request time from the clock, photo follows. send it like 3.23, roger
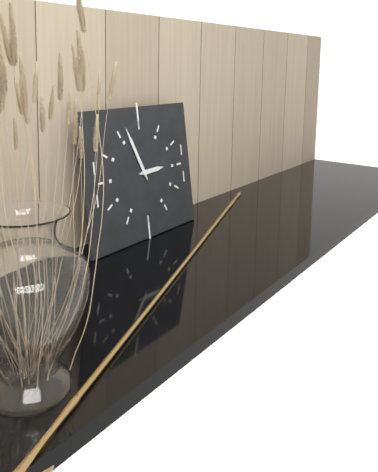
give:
2.56
